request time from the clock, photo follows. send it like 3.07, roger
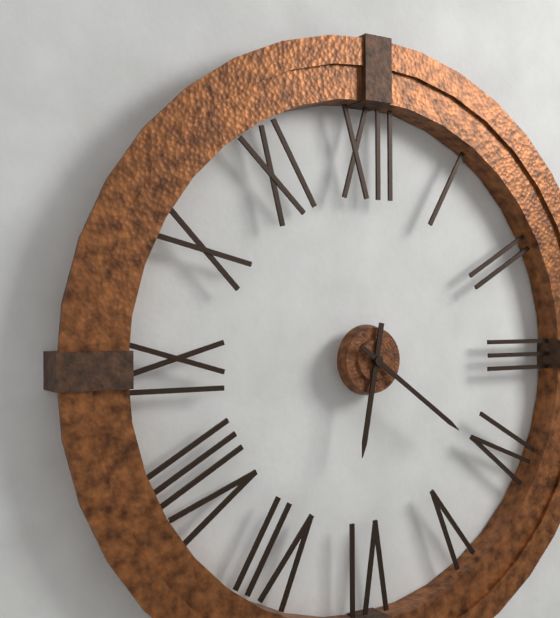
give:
6.21
